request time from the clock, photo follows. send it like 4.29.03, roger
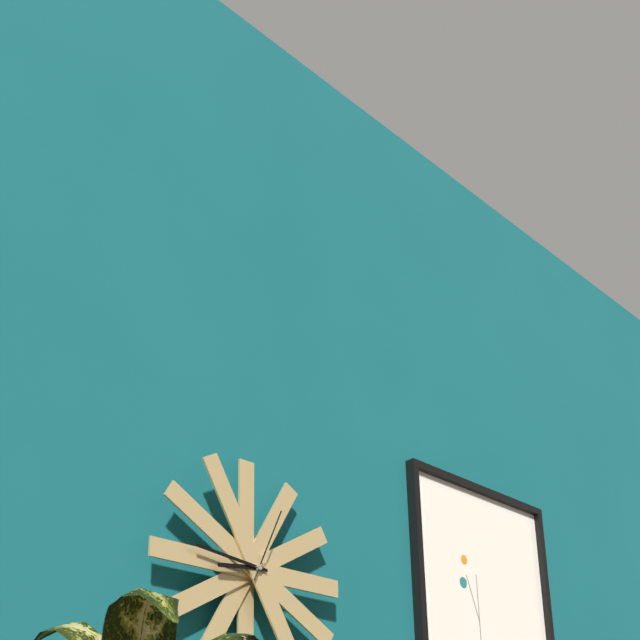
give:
8.46.04
